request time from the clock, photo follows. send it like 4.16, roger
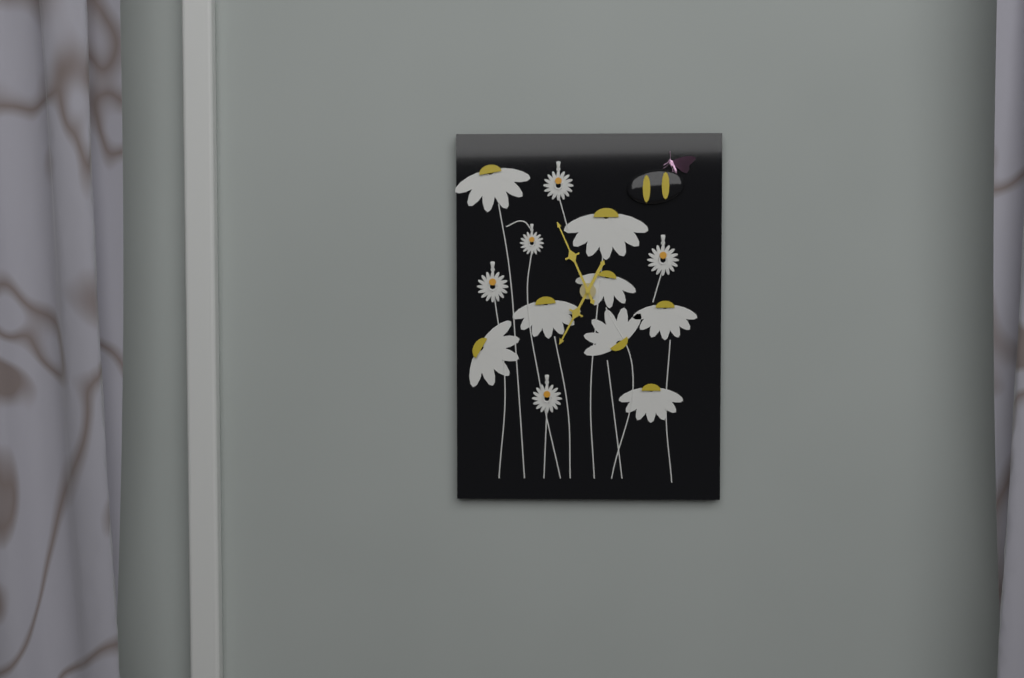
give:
6.56
